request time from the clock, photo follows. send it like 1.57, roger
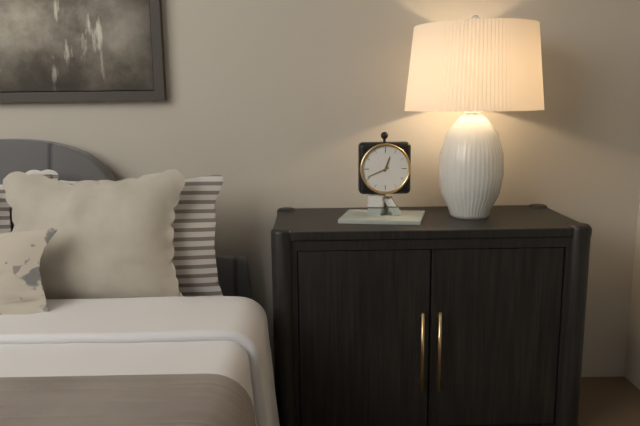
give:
12.41
